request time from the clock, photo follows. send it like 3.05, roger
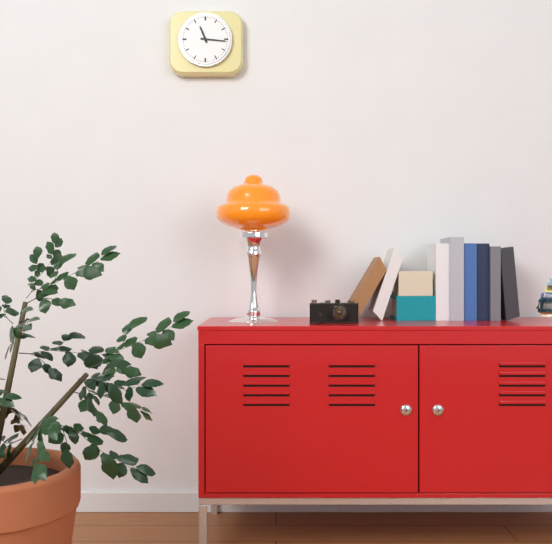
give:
11.16
